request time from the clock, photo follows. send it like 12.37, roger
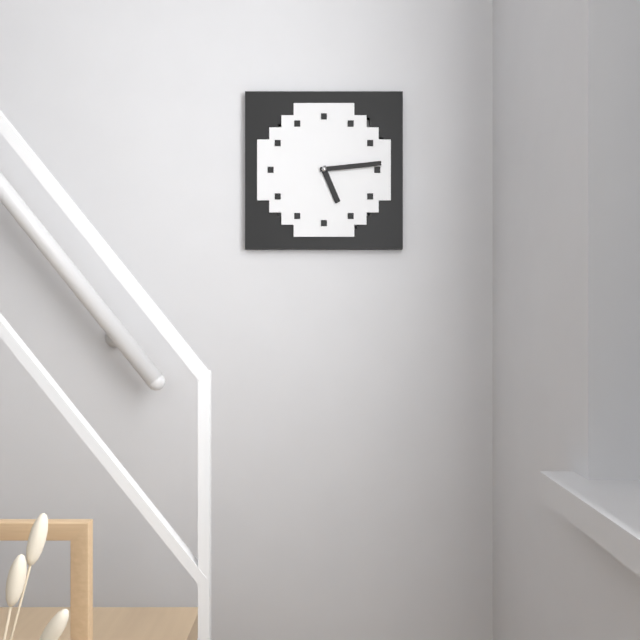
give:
5.14
